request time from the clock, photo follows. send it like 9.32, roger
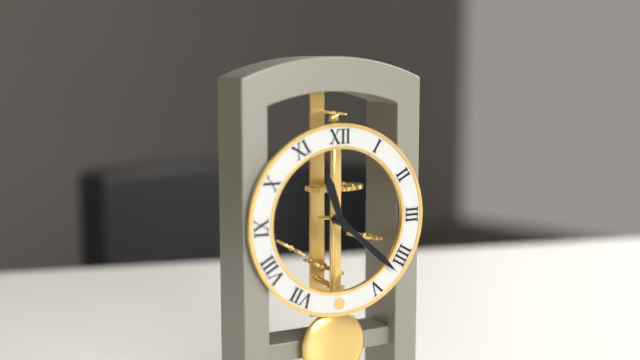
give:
11.22
